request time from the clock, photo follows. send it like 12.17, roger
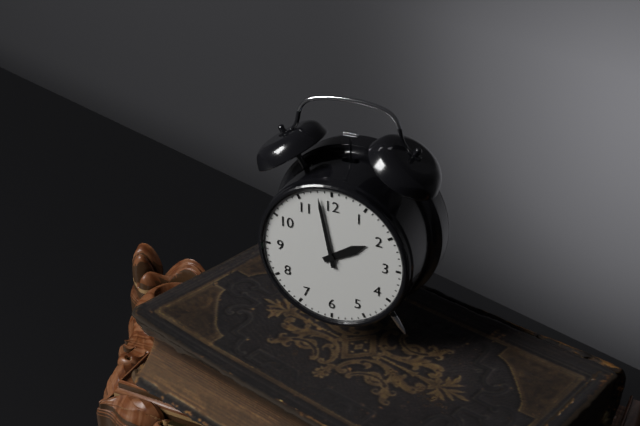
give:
1.58
